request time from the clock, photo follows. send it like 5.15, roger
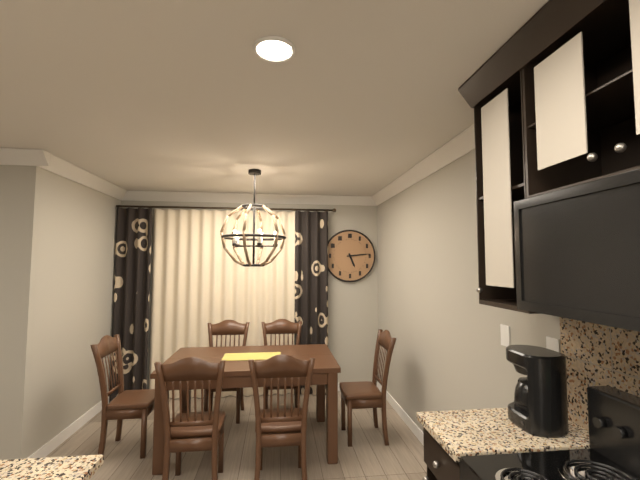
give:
5.14
